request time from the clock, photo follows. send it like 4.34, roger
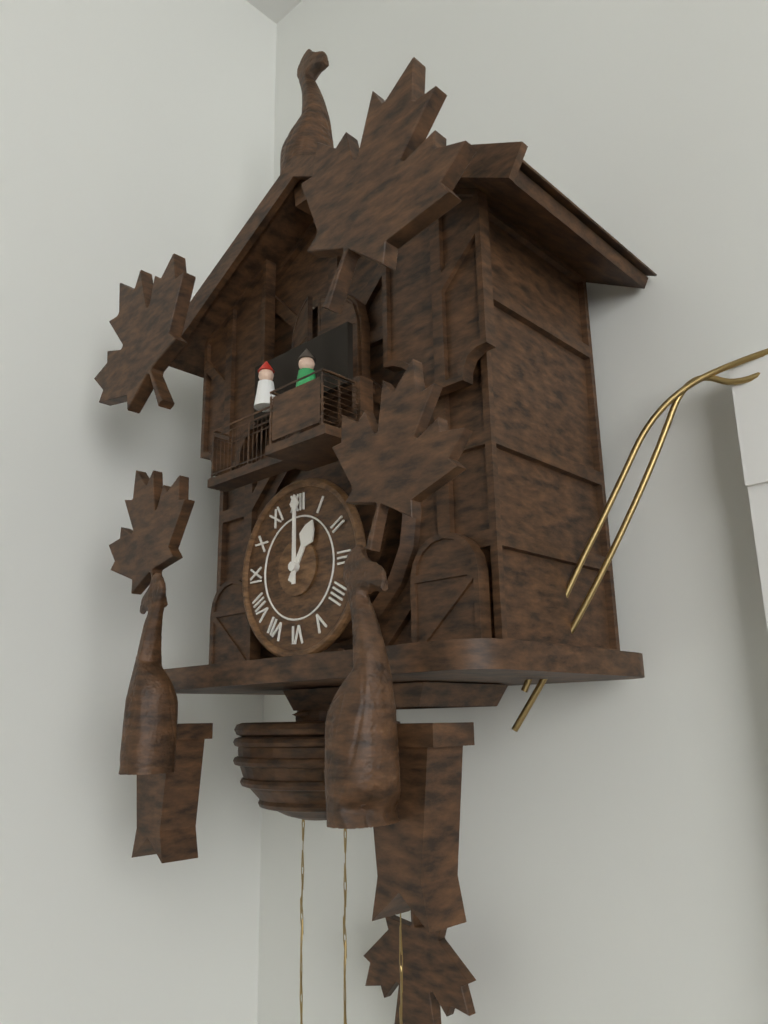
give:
1.00
